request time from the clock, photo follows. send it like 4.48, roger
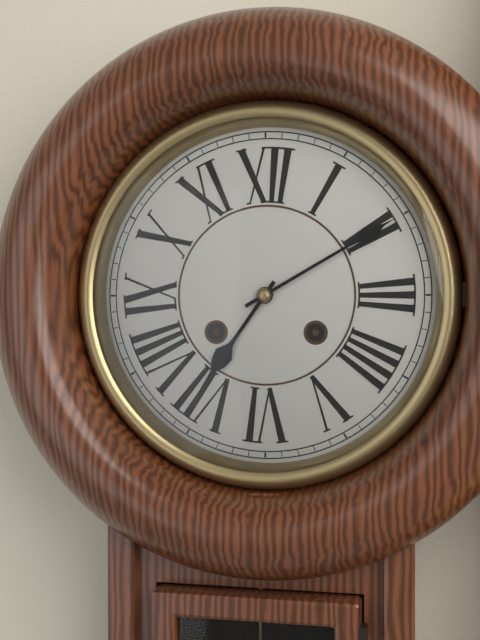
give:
7.10
